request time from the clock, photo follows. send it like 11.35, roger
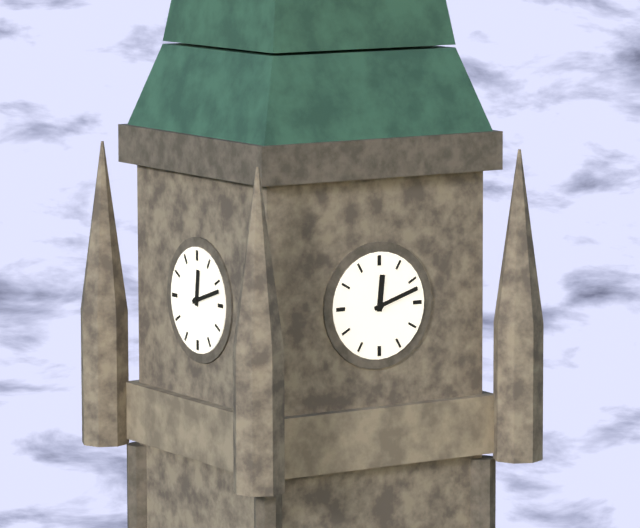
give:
12.12
